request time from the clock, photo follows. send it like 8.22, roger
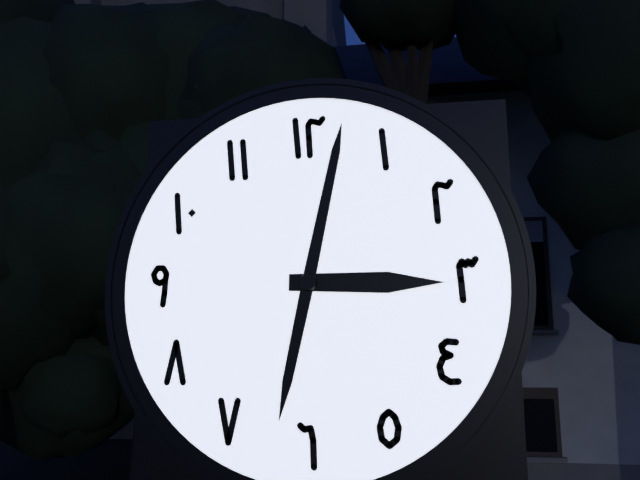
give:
3.02
